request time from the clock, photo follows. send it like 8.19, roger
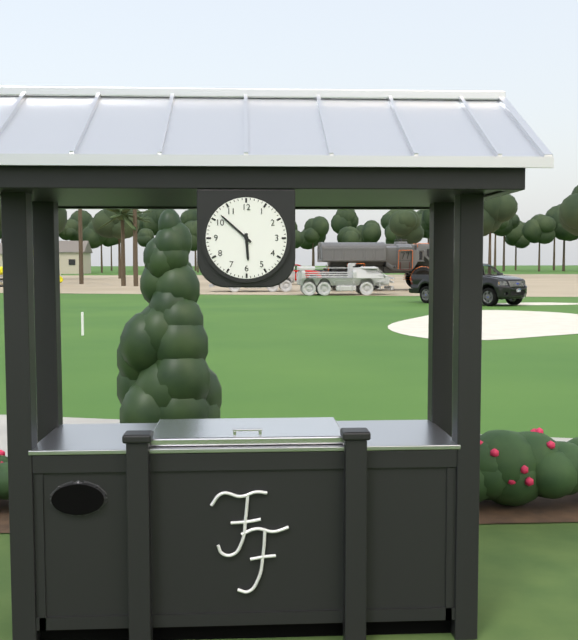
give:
5.52
